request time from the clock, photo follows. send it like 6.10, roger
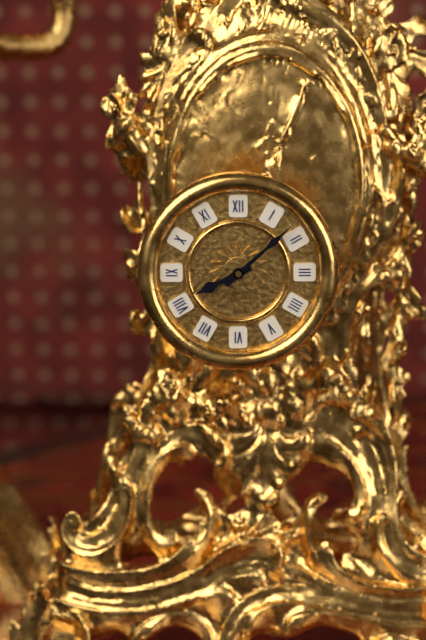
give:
8.08
